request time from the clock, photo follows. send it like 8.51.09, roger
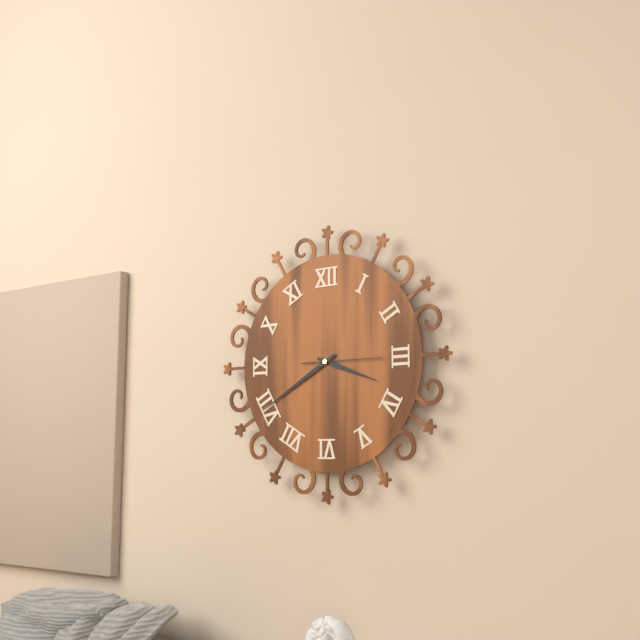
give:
3.40.15
